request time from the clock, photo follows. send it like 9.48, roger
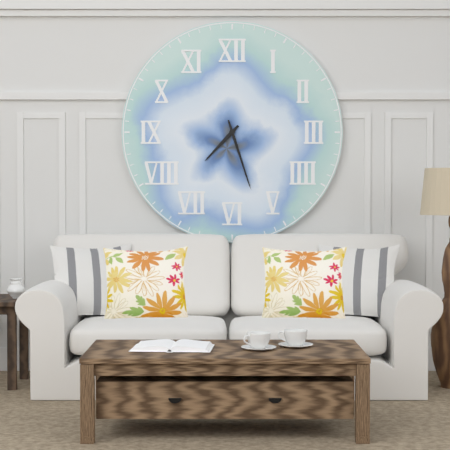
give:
7.27
